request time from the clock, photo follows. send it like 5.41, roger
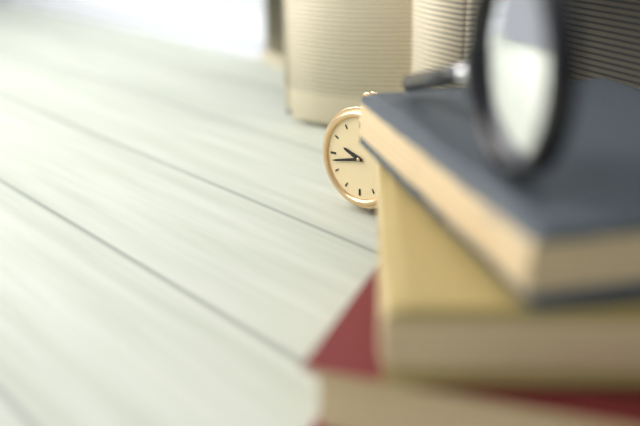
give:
9.43
